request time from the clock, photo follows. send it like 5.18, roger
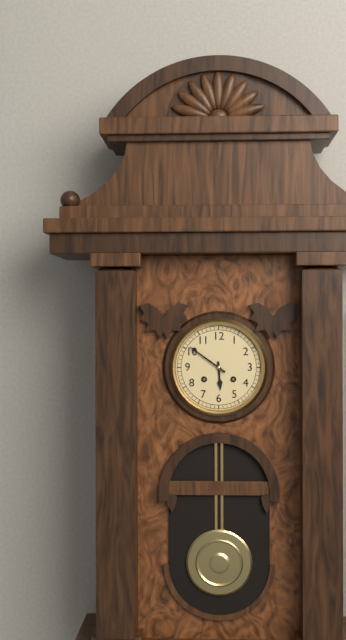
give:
5.51
